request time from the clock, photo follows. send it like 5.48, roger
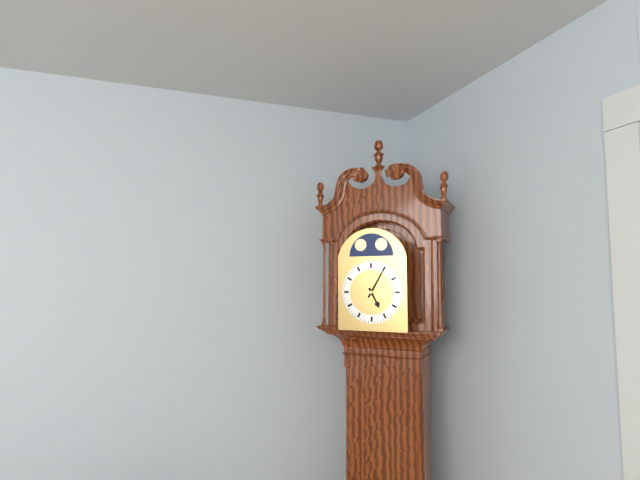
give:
5.05
